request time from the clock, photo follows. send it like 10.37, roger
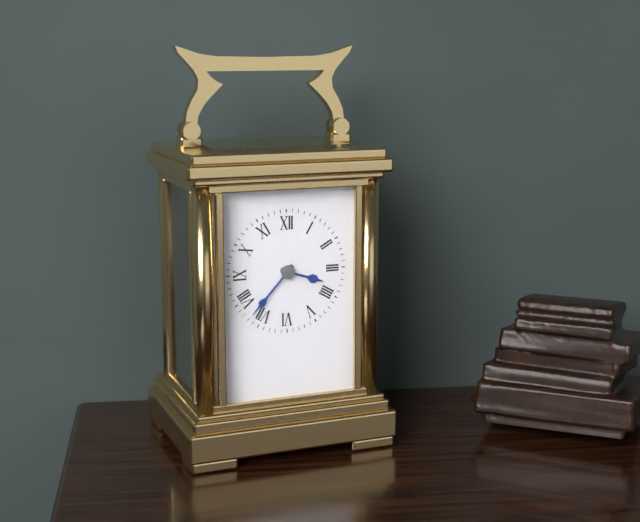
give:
3.37
